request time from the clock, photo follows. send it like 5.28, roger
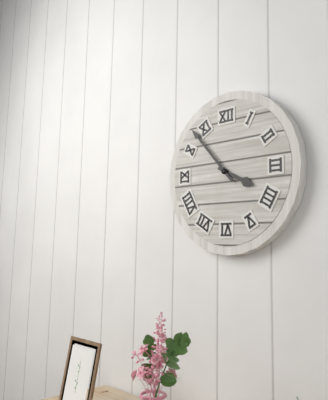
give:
3.53
